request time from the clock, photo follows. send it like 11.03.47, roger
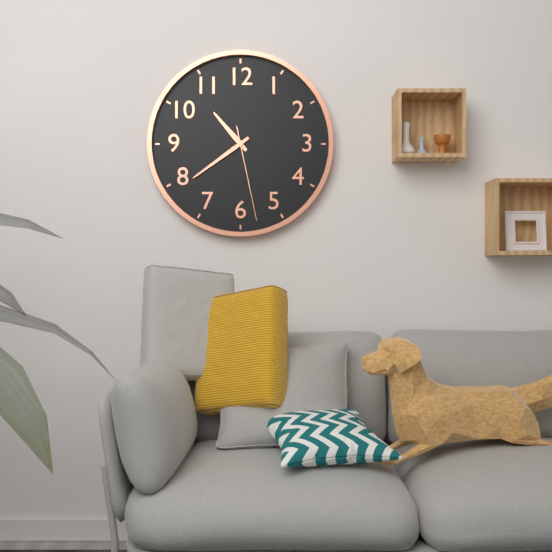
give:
10.39.28
